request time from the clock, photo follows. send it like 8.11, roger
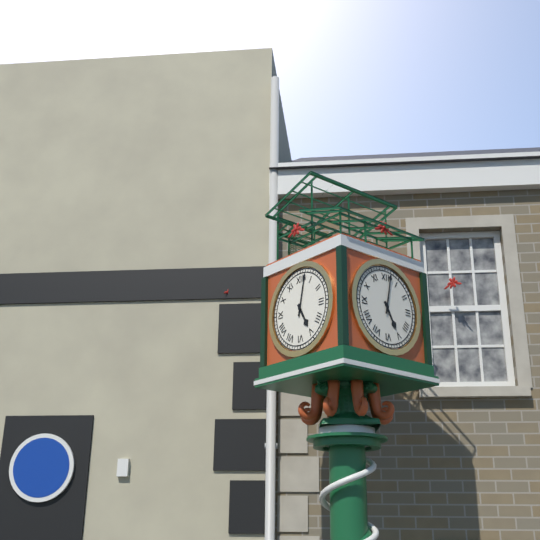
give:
5.02
